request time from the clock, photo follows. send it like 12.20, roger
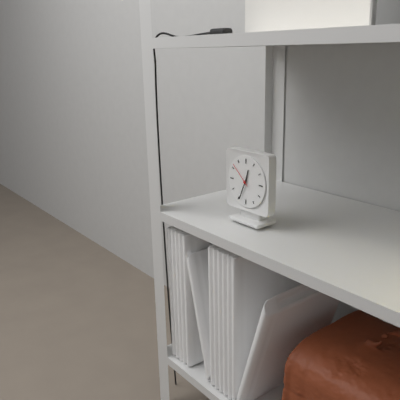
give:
12.34
